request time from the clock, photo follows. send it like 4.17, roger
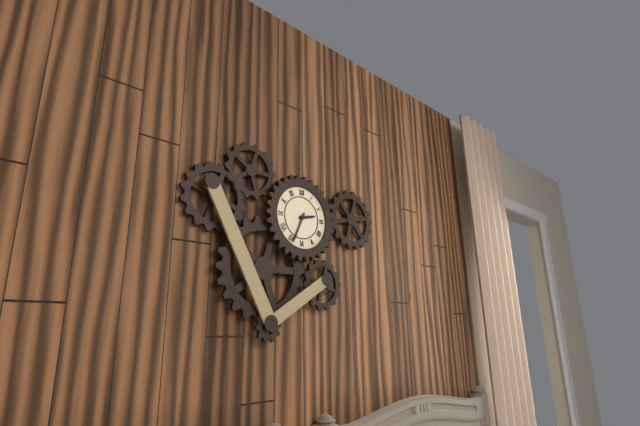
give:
2.34
